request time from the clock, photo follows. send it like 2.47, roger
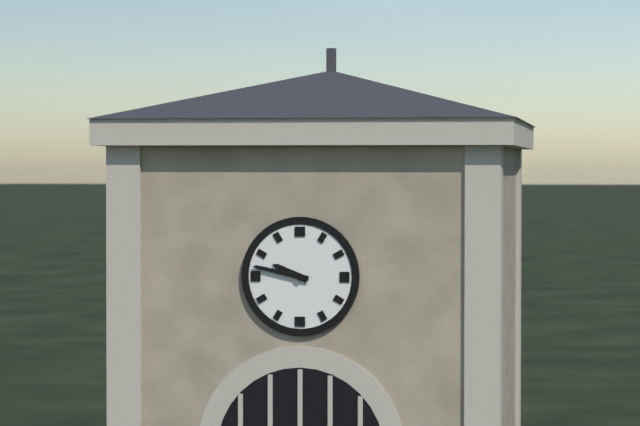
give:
9.47
